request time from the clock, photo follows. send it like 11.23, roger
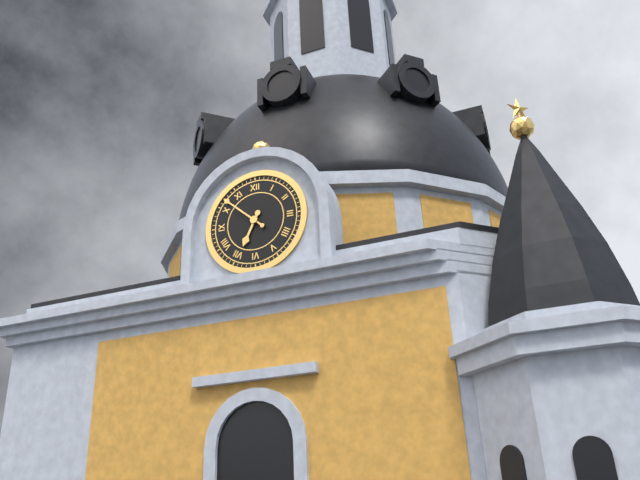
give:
6.52
